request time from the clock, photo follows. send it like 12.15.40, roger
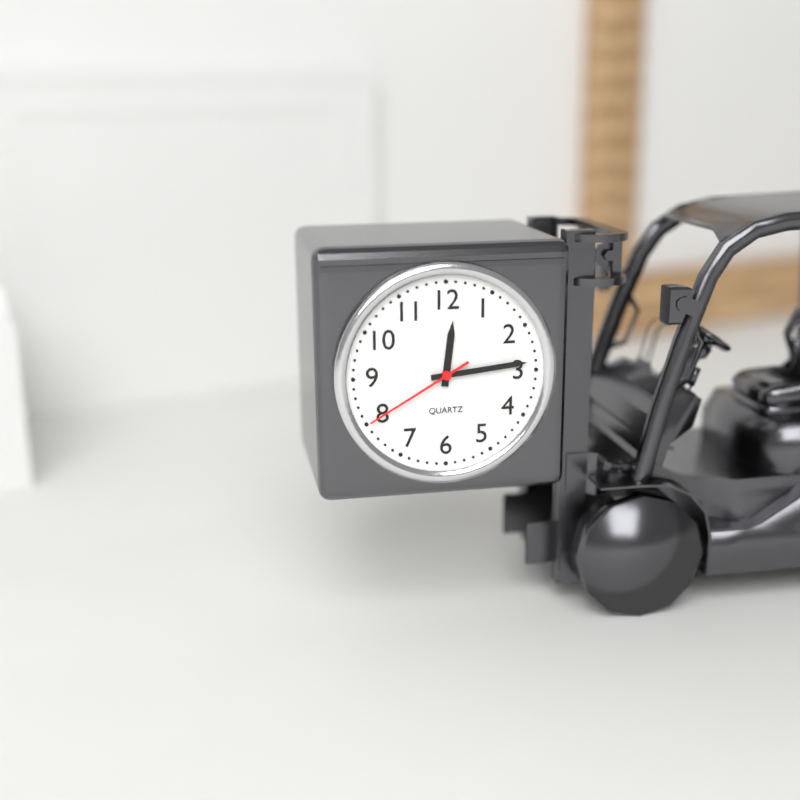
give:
12.14.40
